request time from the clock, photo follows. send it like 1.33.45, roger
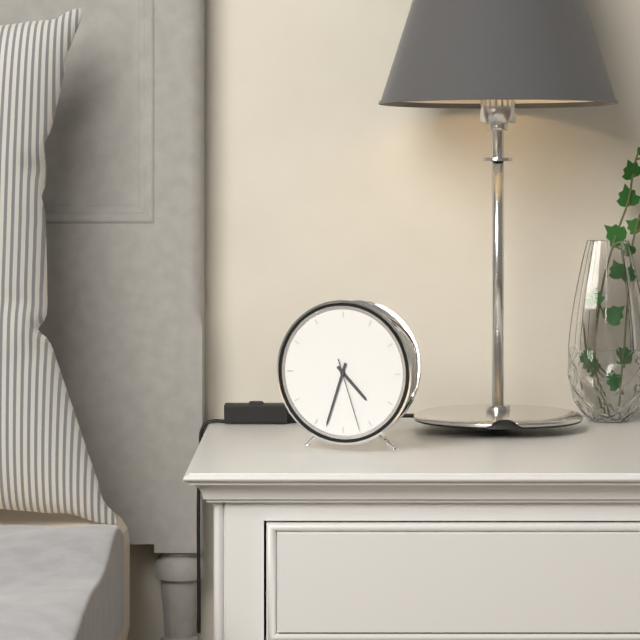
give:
4.33.27
